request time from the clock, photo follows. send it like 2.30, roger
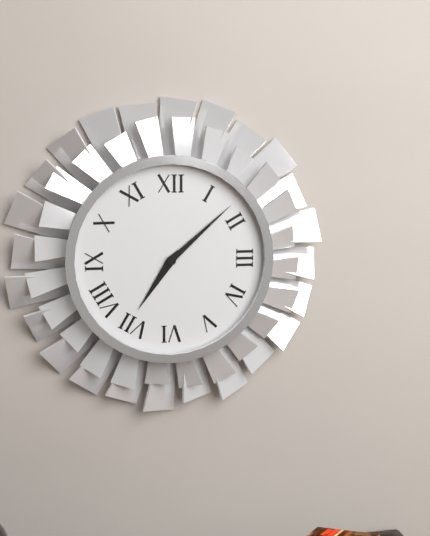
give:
7.08
